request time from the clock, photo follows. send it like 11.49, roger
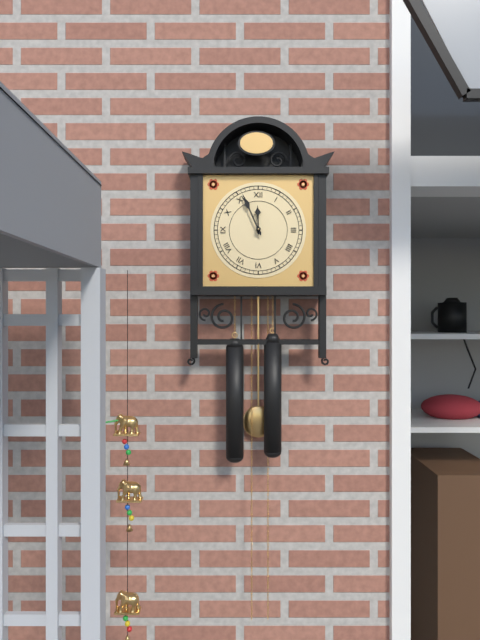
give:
11.56
